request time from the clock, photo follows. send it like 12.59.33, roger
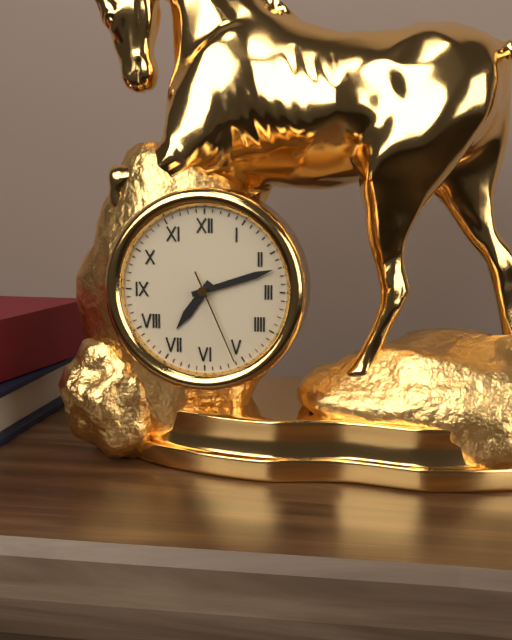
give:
7.12.26
